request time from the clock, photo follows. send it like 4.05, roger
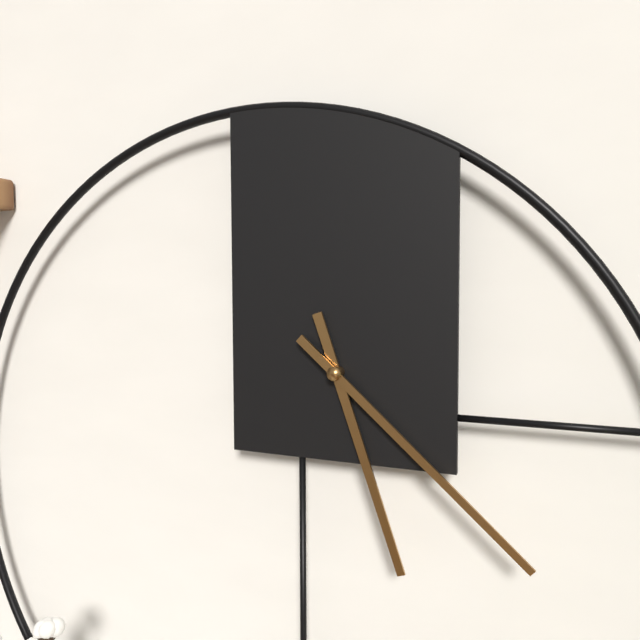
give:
5.22
